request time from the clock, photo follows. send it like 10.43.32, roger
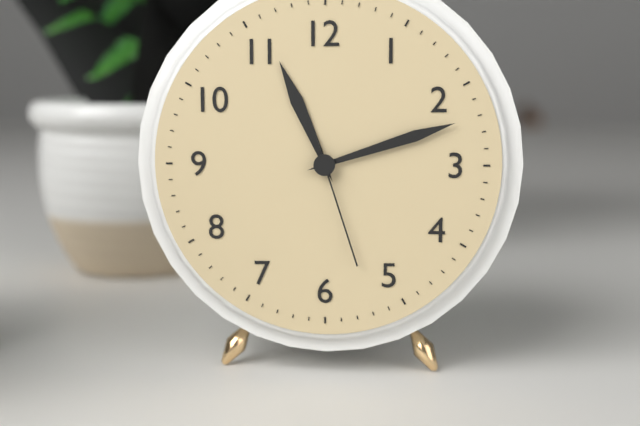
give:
11.12.27
